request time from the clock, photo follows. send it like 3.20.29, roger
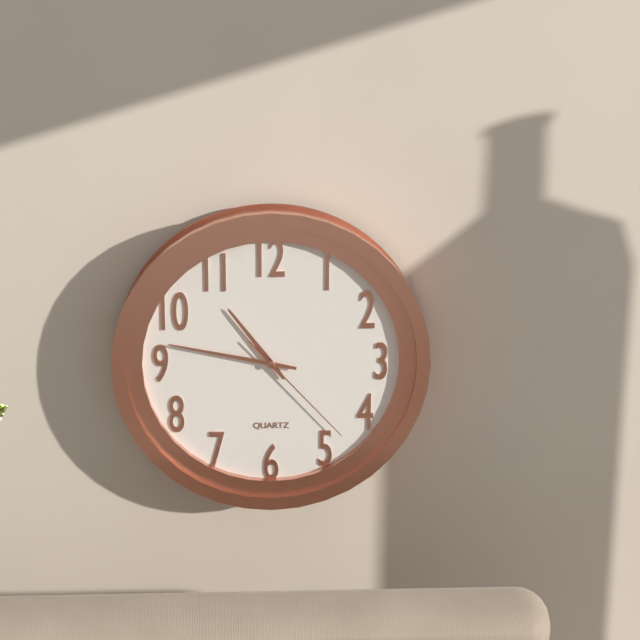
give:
10.47.23
